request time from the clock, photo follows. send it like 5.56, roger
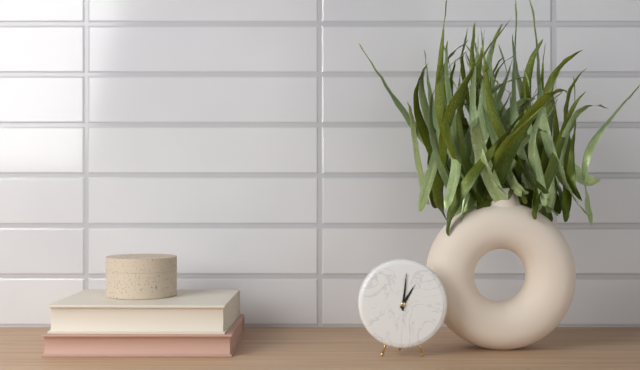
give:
1.01
